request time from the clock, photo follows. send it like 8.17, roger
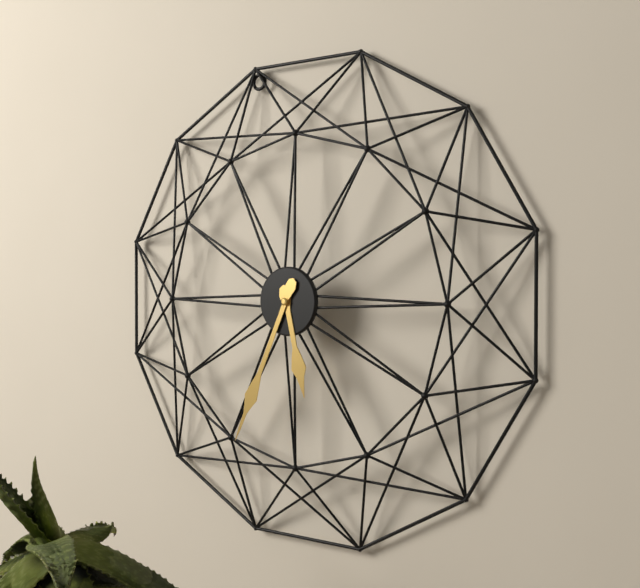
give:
5.34
